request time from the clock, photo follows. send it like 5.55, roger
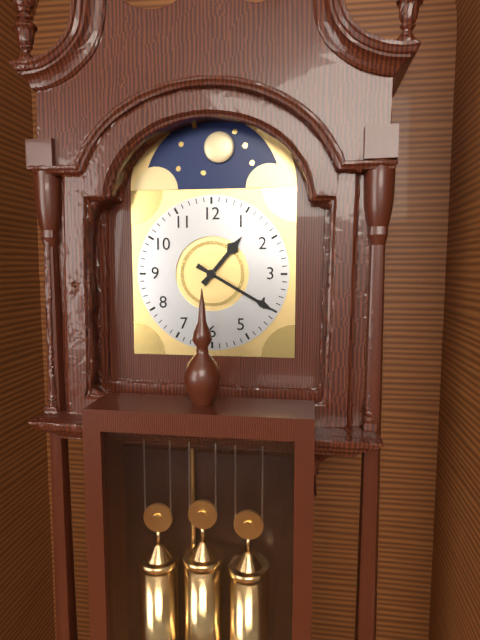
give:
1.20
